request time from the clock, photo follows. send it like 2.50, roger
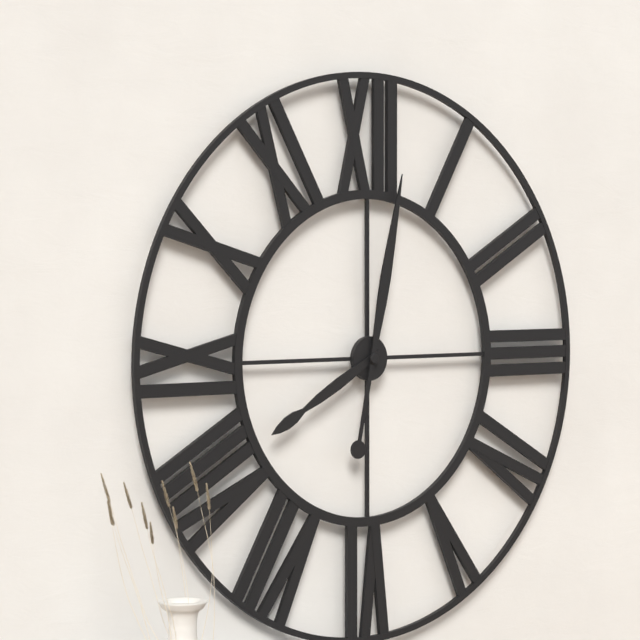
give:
8.02
